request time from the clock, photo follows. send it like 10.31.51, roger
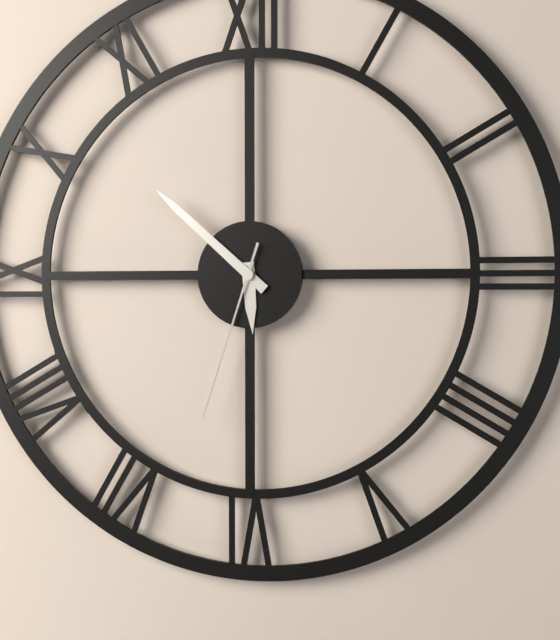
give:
5.52.33
